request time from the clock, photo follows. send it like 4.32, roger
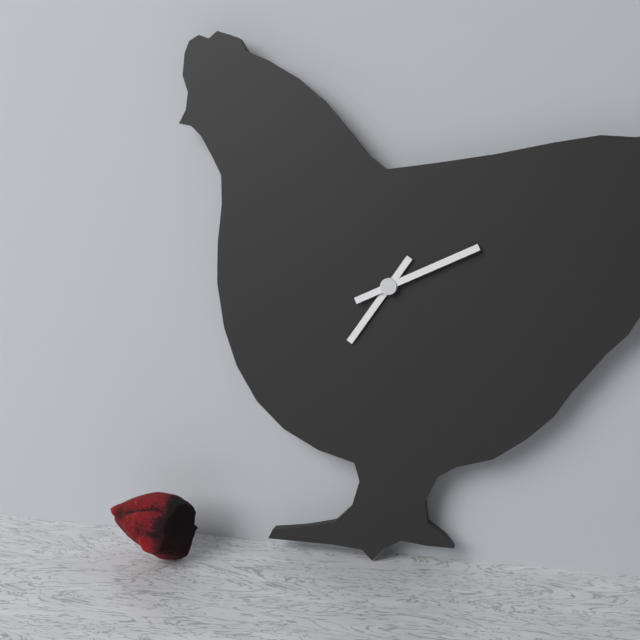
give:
7.11
